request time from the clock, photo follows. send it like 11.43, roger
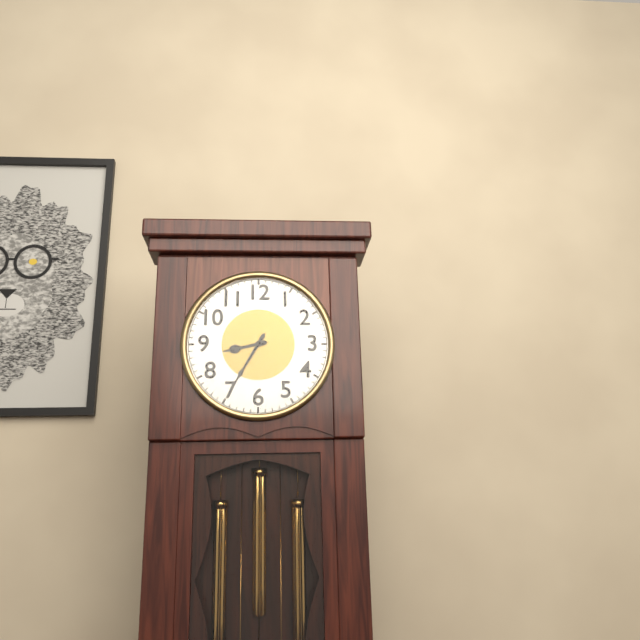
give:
8.35
